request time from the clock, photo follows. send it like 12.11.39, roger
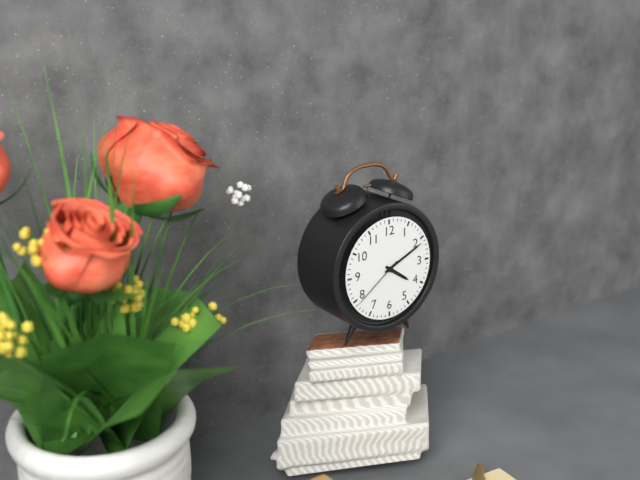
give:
4.11.39
